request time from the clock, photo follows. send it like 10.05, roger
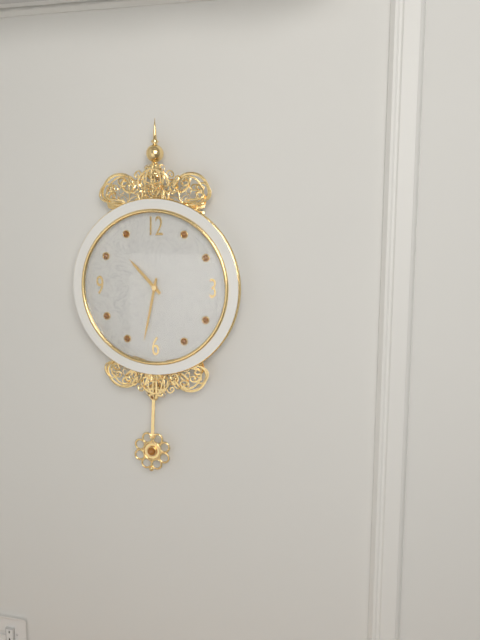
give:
10.32
